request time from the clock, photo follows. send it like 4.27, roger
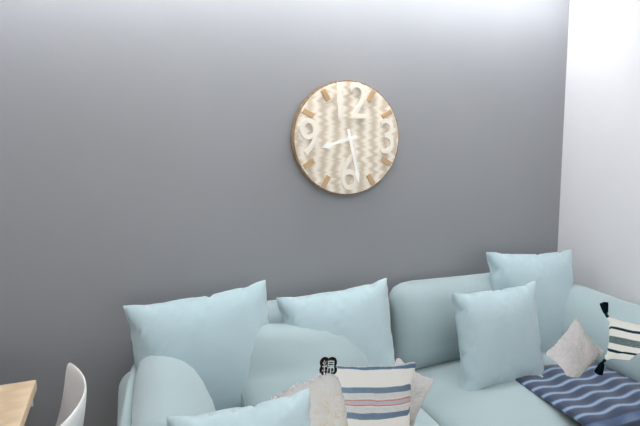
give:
8.28
